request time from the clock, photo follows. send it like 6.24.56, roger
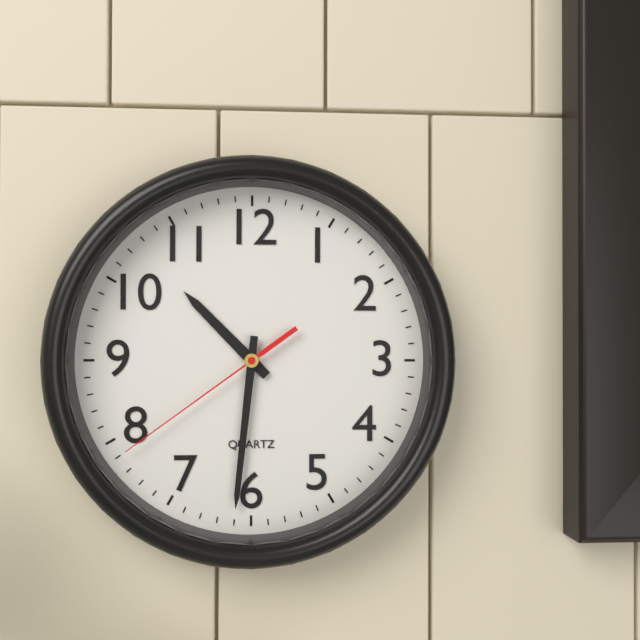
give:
10.31.39
